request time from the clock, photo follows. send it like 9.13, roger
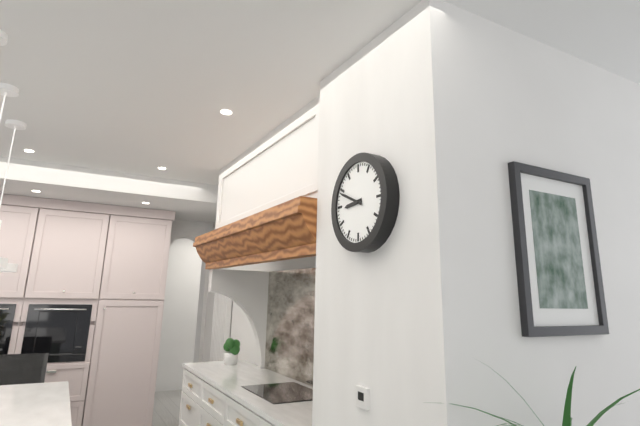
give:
8.49
